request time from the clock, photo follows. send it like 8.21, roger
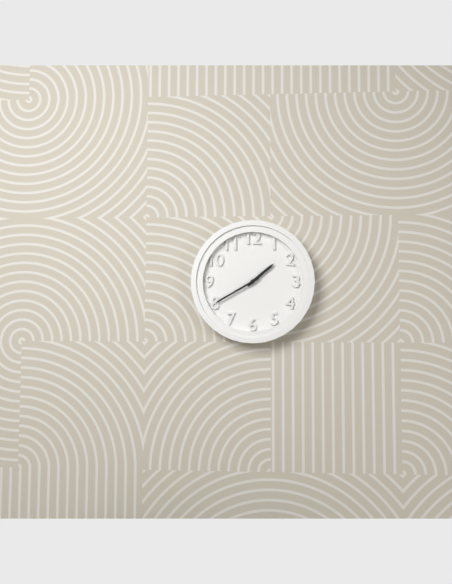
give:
1.40
